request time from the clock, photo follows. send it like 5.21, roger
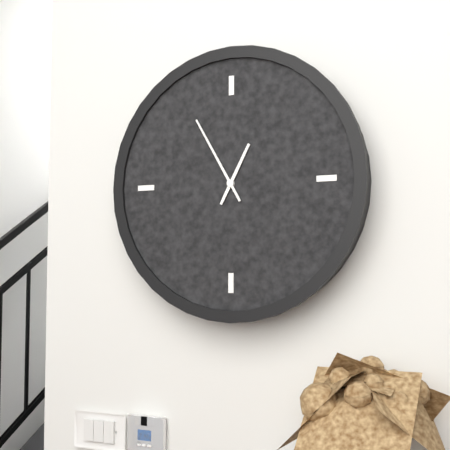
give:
12.55
